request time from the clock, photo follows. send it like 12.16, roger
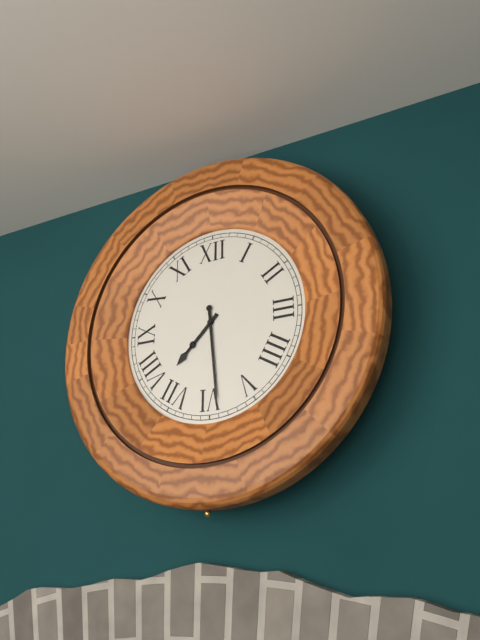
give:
7.29
